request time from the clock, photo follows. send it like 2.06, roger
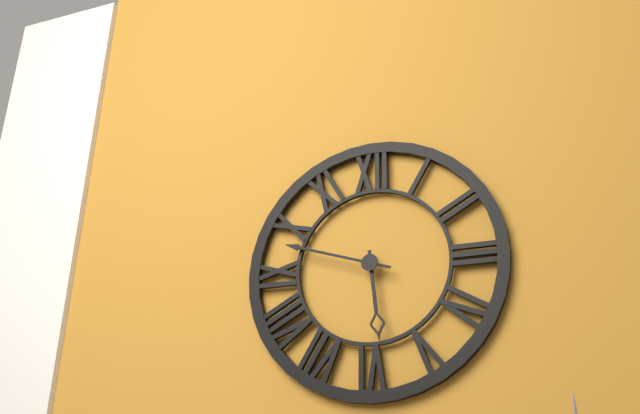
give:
5.48
